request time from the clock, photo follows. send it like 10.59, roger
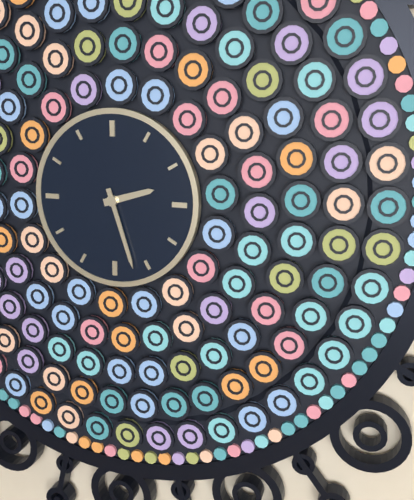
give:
2.27
